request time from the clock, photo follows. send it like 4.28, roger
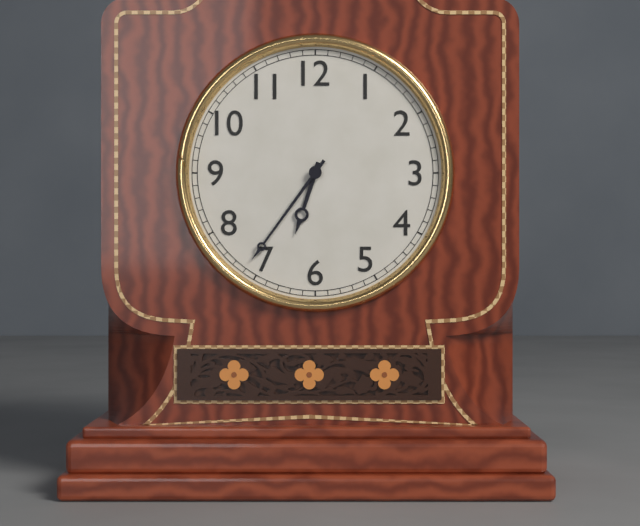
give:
6.36
